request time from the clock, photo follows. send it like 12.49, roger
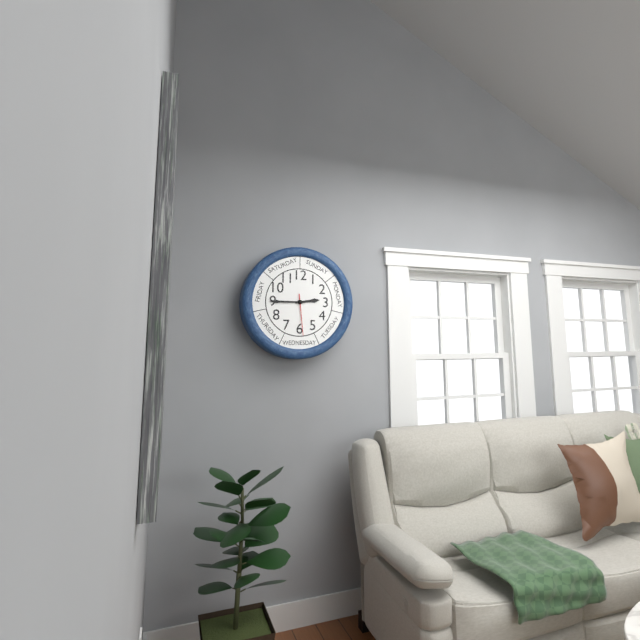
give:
2.45
